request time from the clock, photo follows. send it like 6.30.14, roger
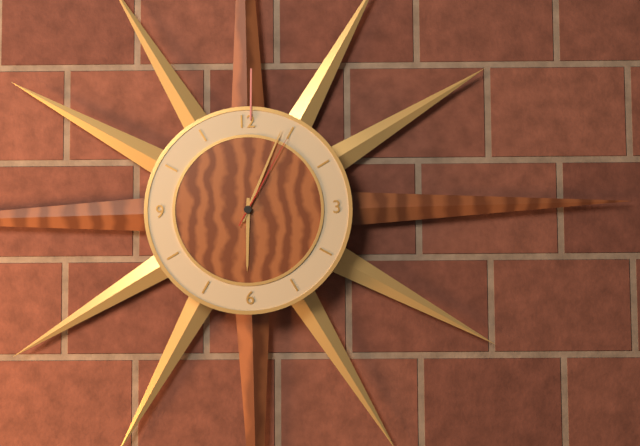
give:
6.04.05
